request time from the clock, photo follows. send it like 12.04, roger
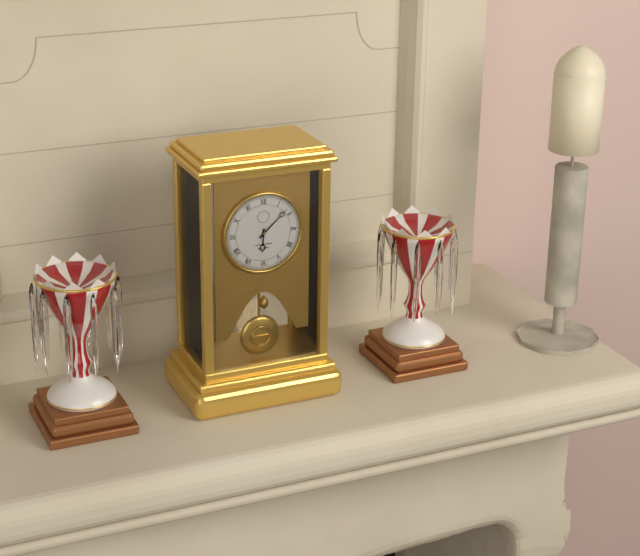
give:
6.08
